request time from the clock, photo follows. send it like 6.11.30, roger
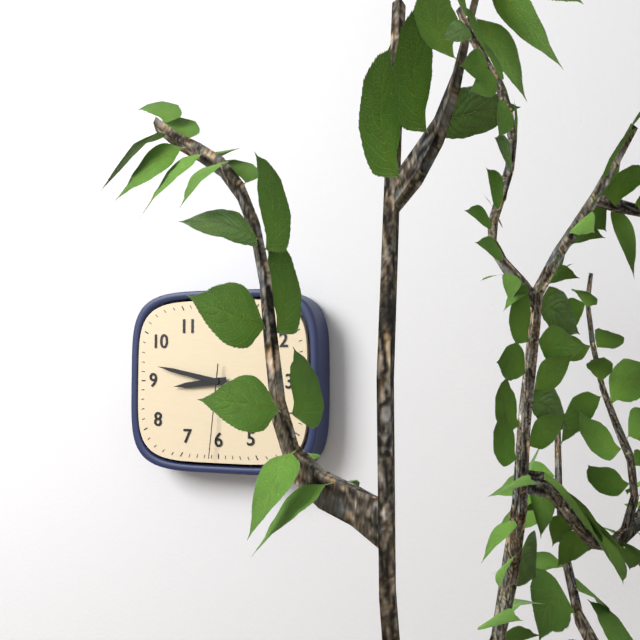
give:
8.47.31
